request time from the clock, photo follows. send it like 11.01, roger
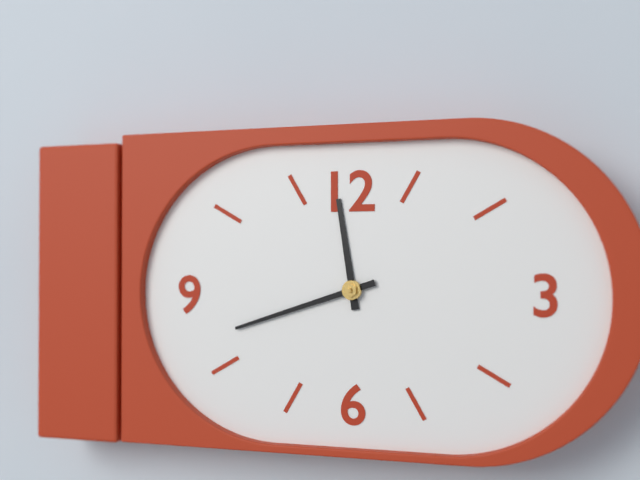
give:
11.42
